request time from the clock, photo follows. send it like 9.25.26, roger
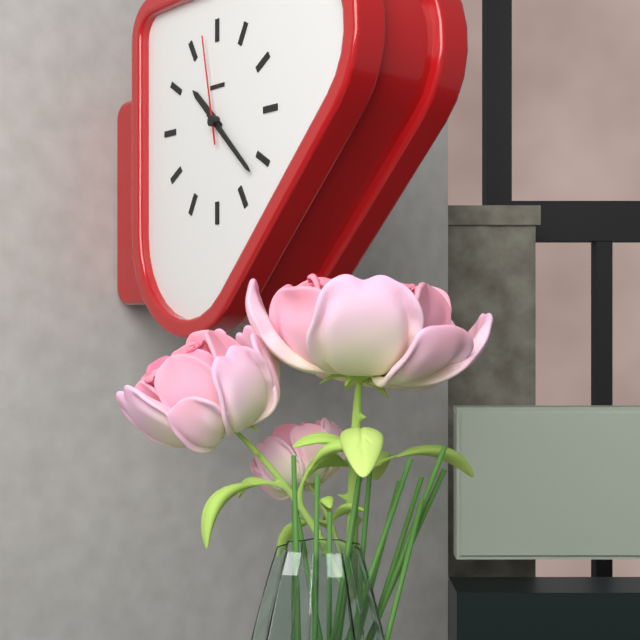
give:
10.22.58
